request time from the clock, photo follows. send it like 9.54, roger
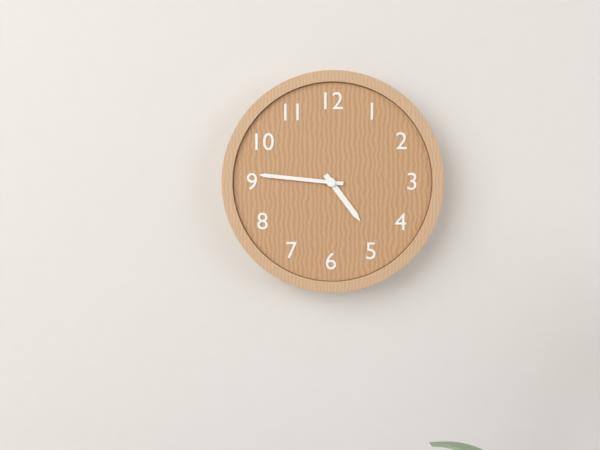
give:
4.46
